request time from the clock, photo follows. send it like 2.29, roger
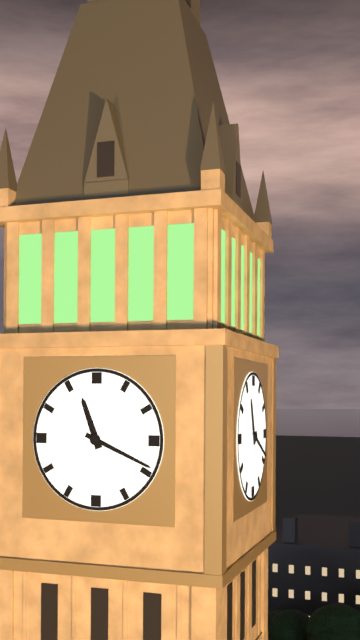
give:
11.19
